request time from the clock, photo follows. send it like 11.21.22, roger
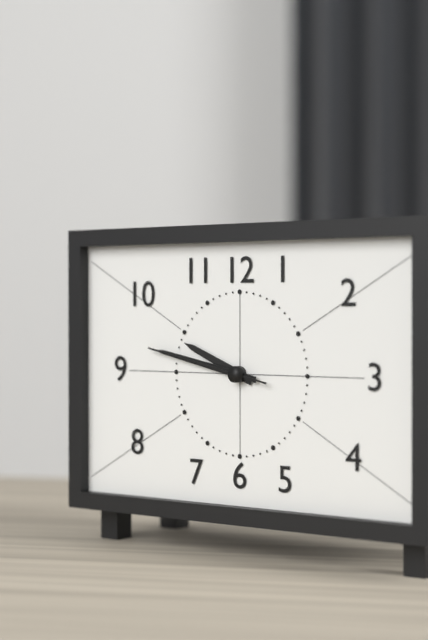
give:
9.47.47
